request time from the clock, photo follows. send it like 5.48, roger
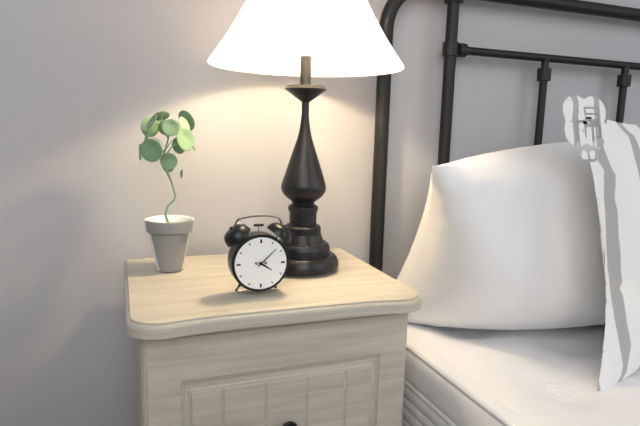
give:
4.08
